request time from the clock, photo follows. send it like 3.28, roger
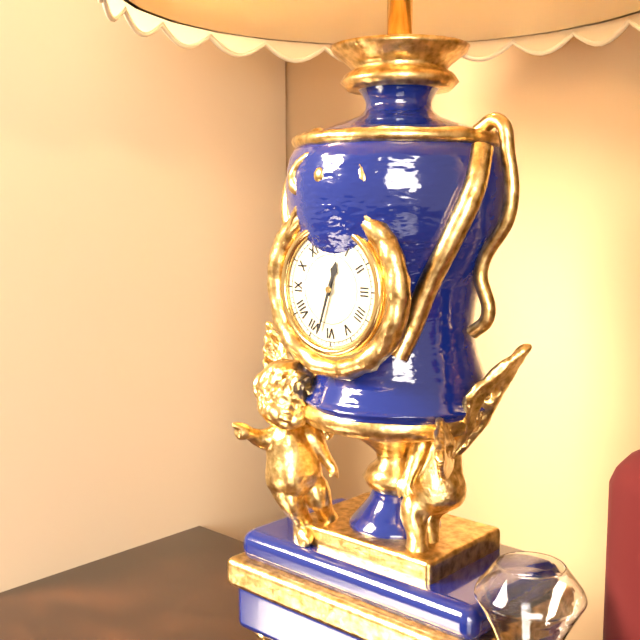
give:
12.33
